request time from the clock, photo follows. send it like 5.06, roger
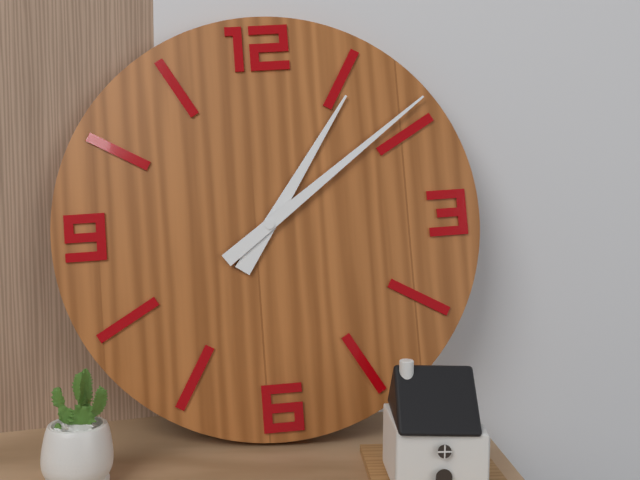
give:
1.09
